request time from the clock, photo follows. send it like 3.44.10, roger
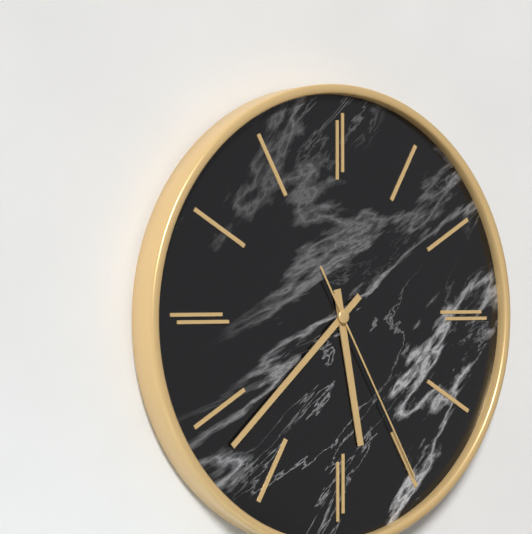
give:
5.38.25
